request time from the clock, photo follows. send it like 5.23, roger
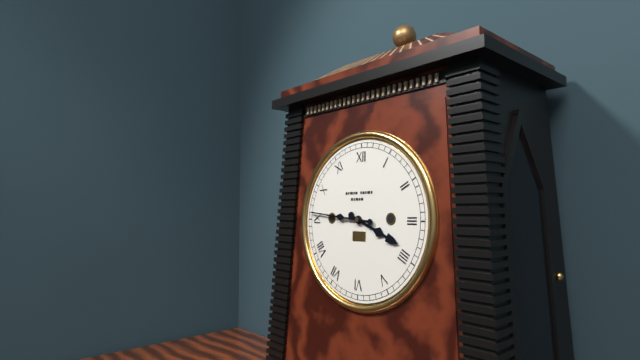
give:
3.46
